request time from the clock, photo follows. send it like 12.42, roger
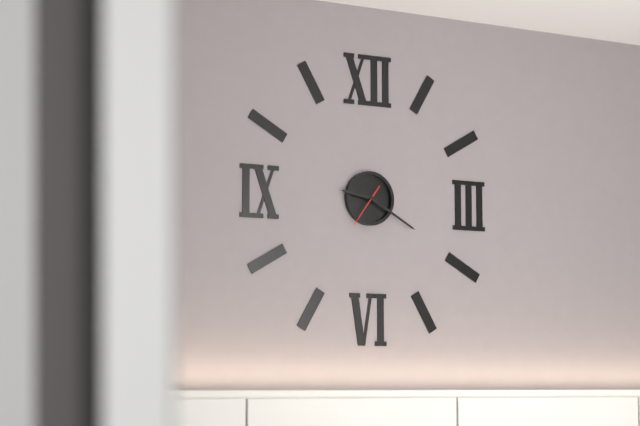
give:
9.20
